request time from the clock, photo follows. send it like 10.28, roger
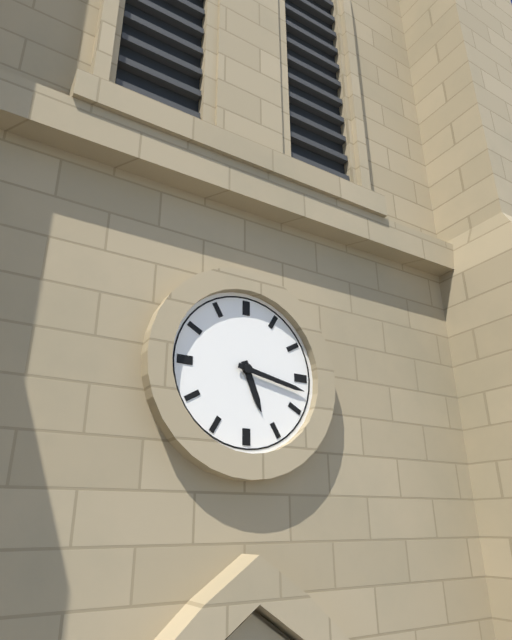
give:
5.17
